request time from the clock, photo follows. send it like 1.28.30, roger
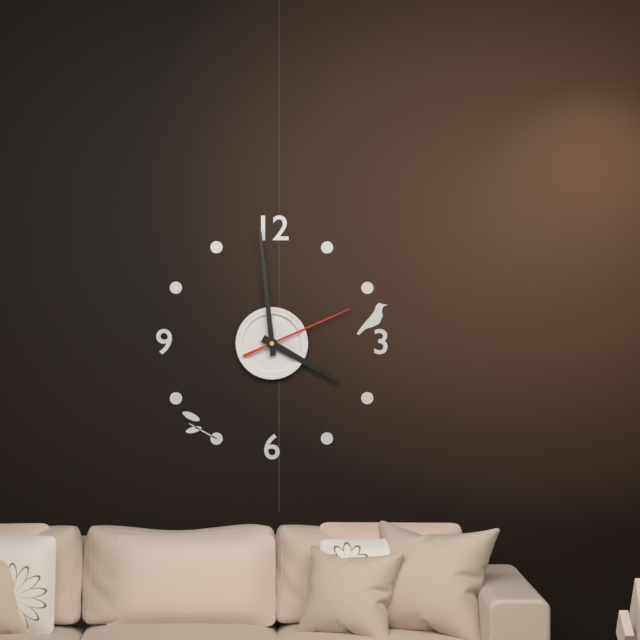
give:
3.59.11
